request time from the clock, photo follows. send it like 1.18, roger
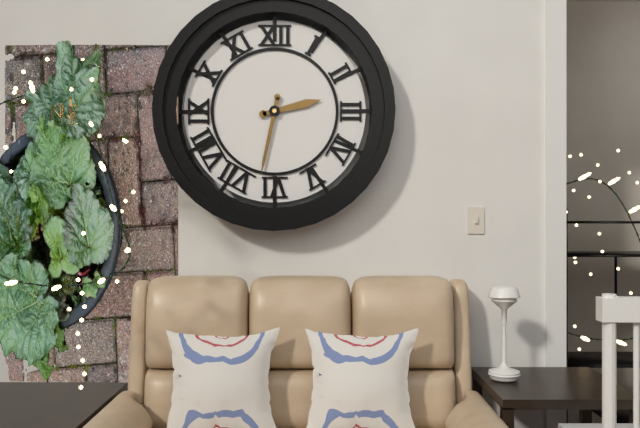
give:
2.32
